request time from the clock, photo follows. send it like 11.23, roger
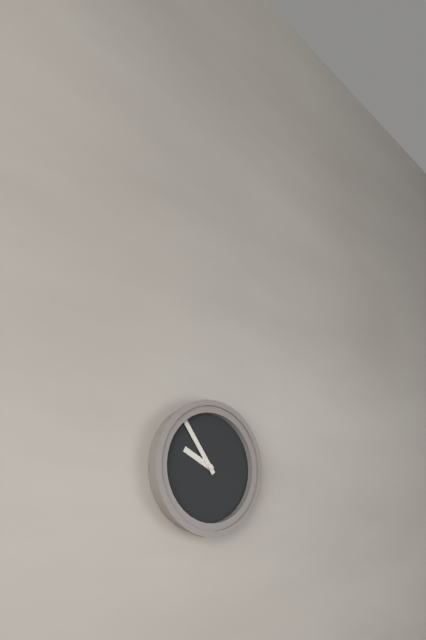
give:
9.54
